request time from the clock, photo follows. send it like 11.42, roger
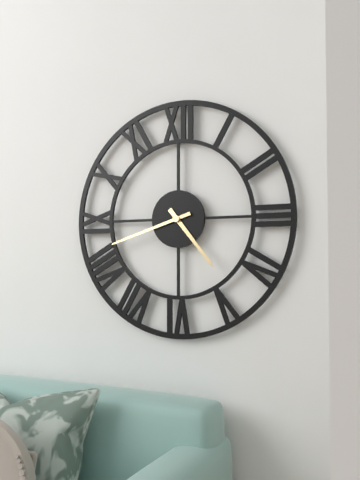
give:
4.42
